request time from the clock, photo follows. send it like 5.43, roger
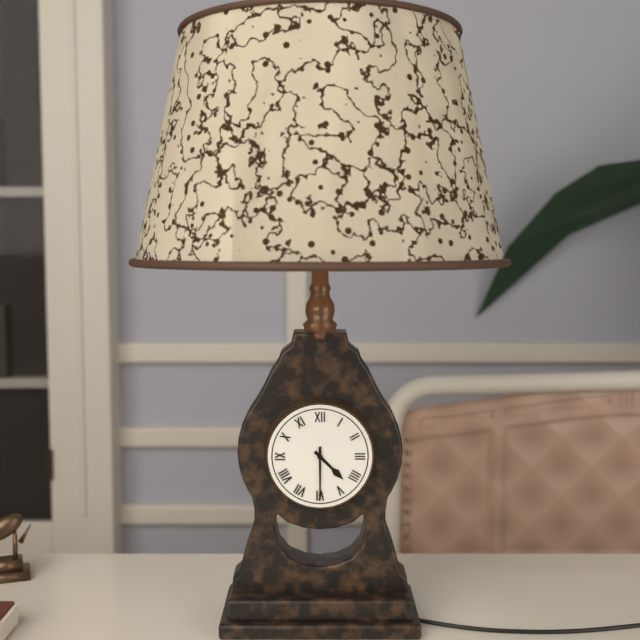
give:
4.30
